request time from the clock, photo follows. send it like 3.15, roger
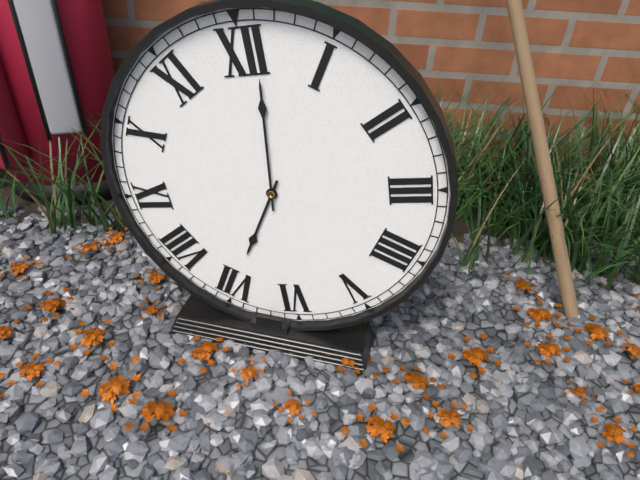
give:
7.01
